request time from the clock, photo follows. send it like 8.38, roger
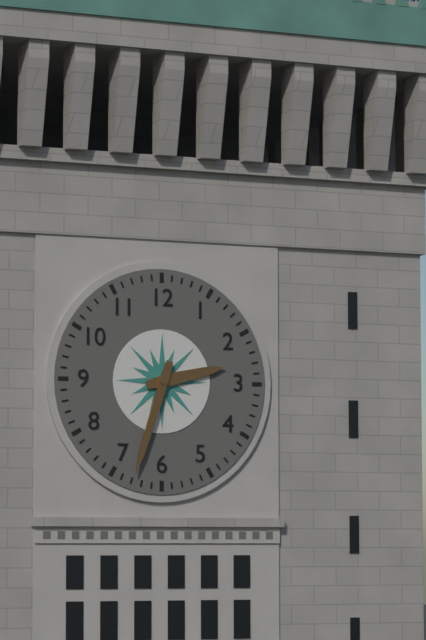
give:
2.33
